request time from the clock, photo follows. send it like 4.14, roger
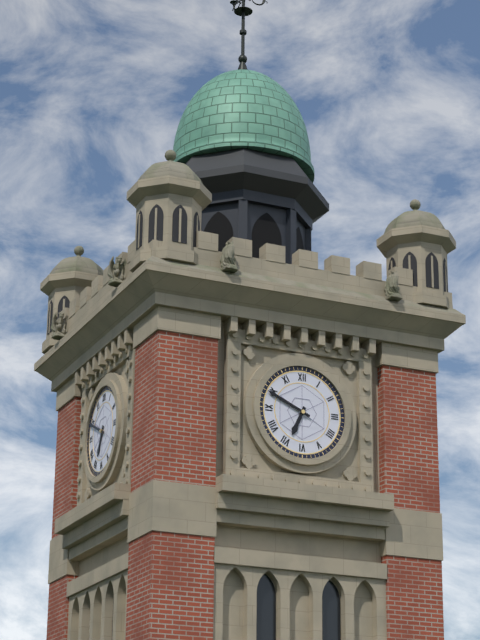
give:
6.49
